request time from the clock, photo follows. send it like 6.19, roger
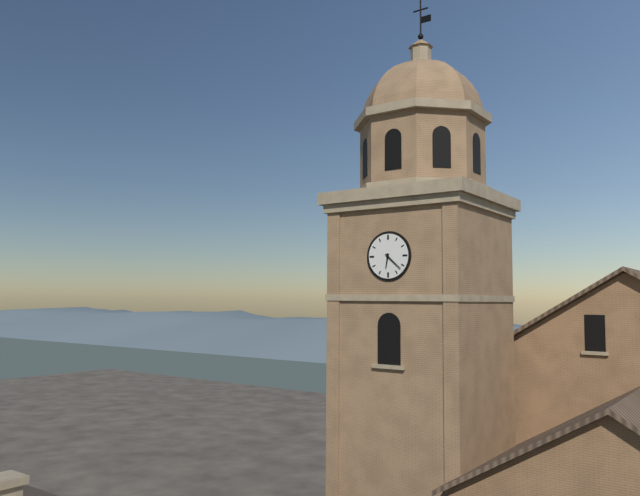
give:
6.22
